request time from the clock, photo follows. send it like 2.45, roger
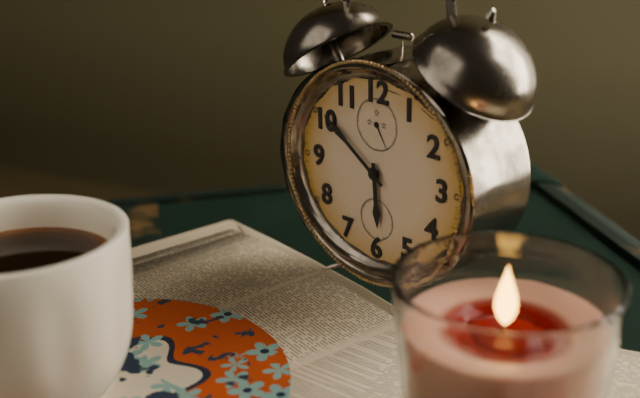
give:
5.51
